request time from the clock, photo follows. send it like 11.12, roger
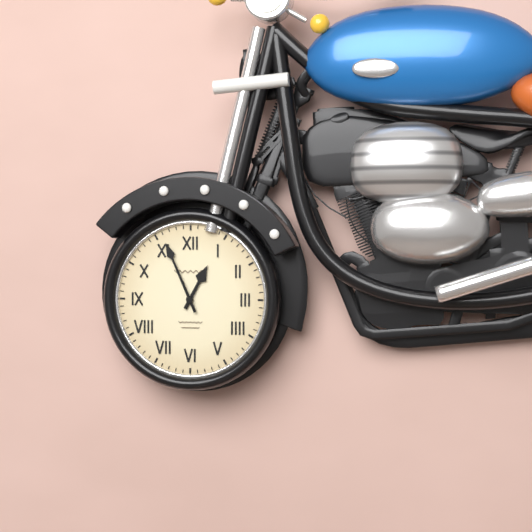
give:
12.56
